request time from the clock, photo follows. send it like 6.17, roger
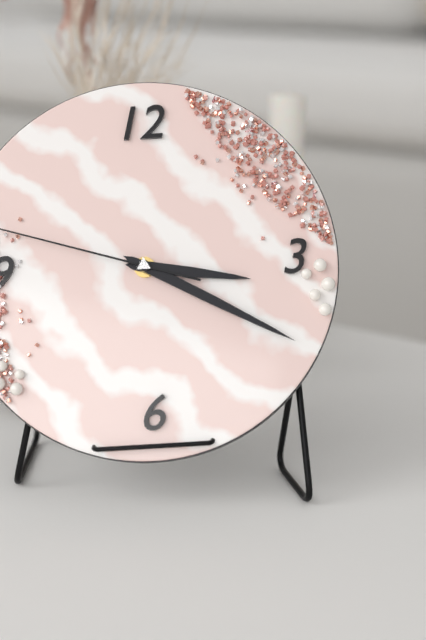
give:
3.20
